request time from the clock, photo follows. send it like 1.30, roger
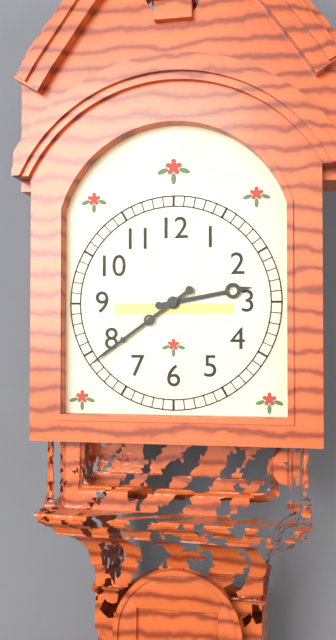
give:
2.39
